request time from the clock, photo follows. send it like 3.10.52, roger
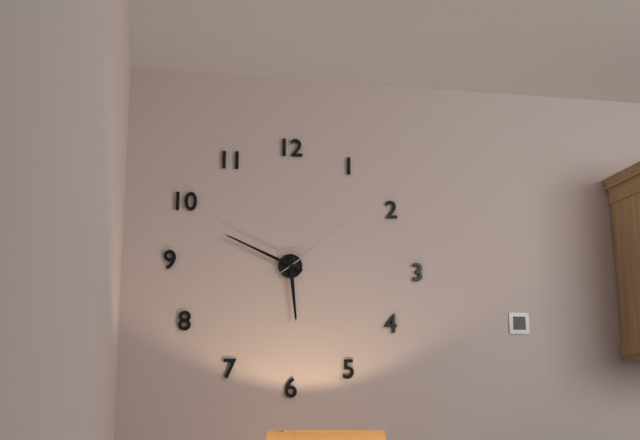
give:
5.49.09
